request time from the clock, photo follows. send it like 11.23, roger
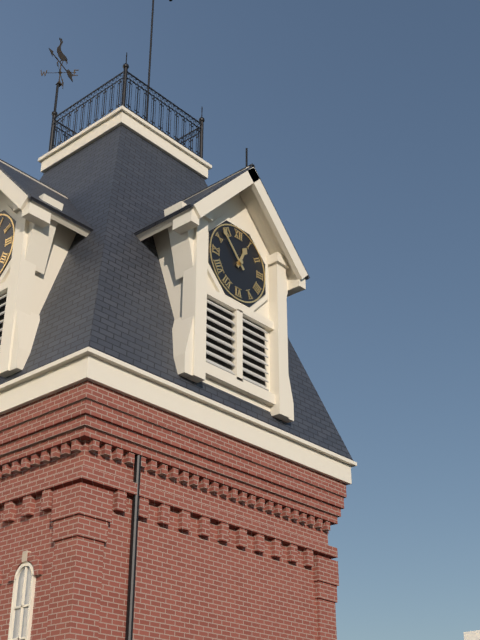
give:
12.53
